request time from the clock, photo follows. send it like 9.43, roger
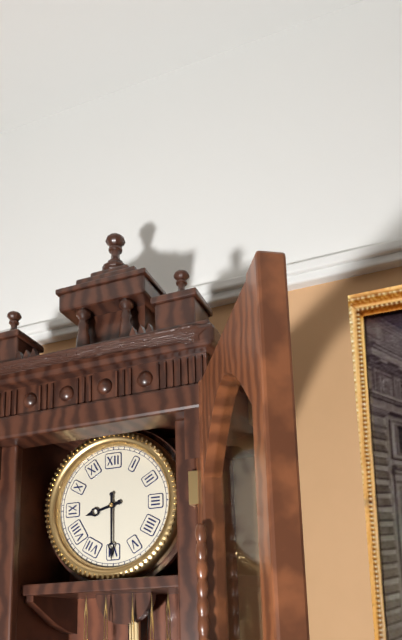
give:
8.30
